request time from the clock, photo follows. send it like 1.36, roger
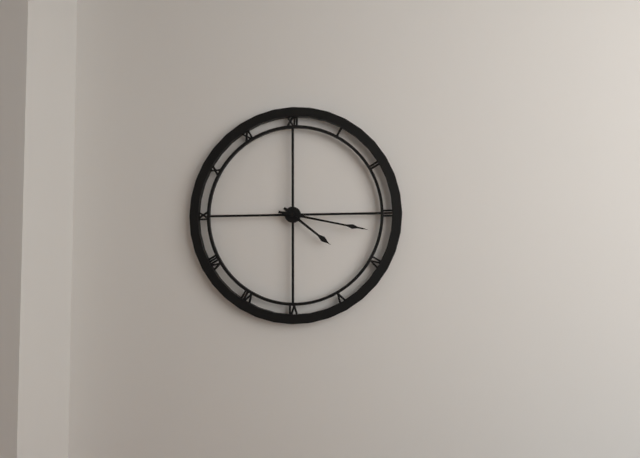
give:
4.17
